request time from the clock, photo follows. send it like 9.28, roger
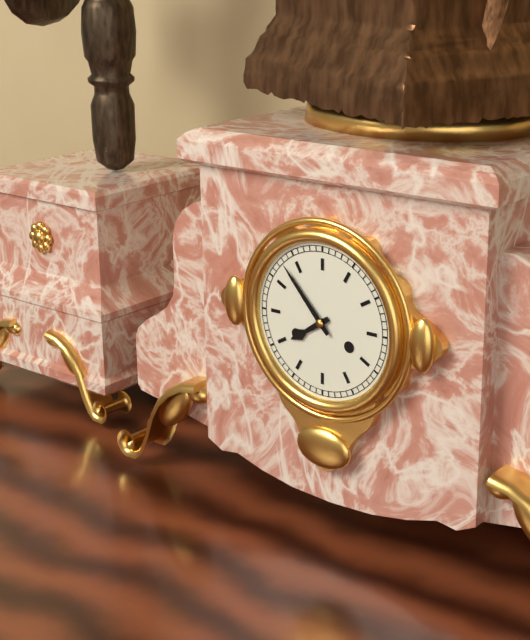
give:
7.53
